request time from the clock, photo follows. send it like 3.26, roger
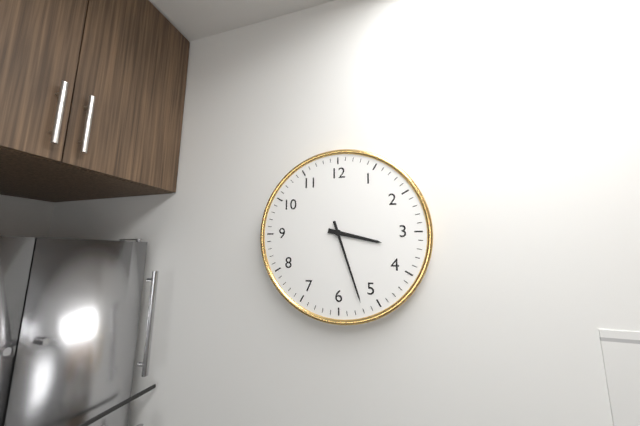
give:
3.27
